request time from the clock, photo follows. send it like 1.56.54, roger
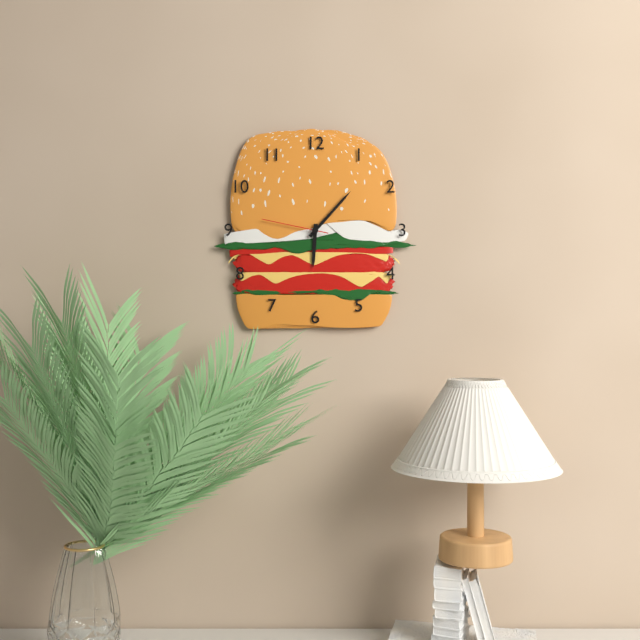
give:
6.07.47
